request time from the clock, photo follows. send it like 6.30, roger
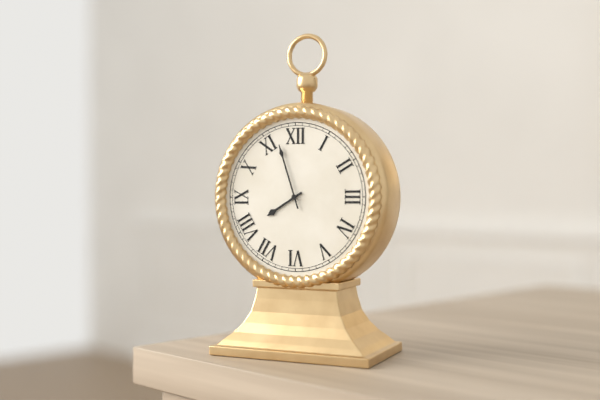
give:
7.57
